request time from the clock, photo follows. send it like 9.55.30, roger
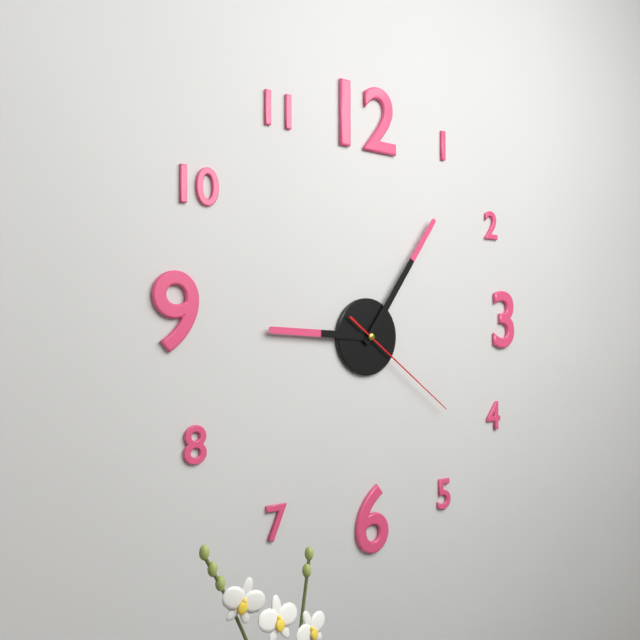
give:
9.06.21
